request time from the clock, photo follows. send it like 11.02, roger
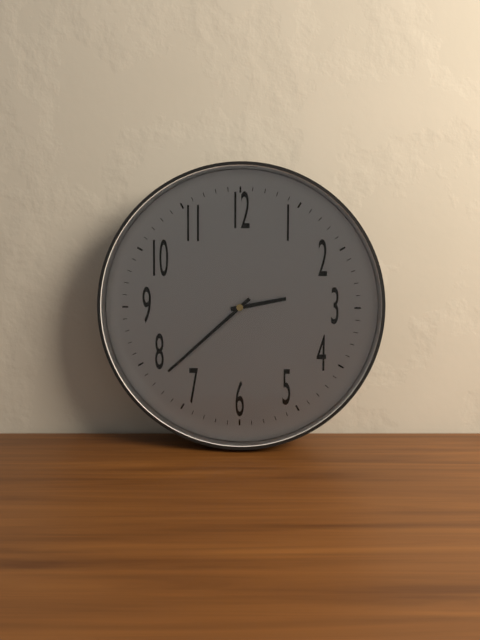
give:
2.38
